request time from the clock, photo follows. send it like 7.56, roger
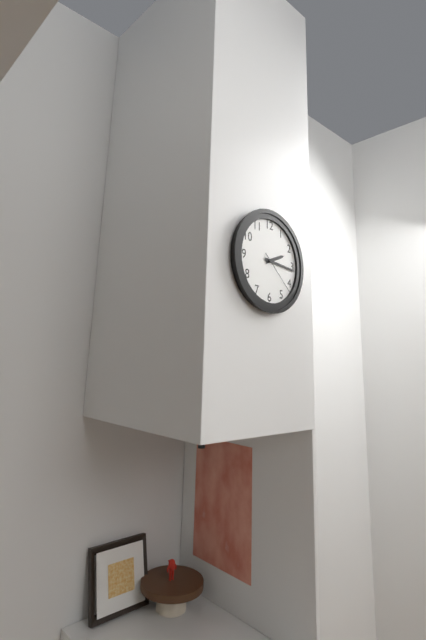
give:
2.16
